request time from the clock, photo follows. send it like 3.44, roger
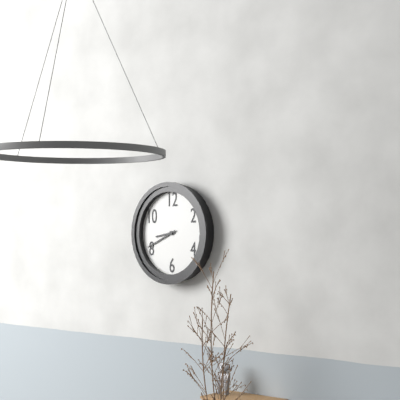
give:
8.41
